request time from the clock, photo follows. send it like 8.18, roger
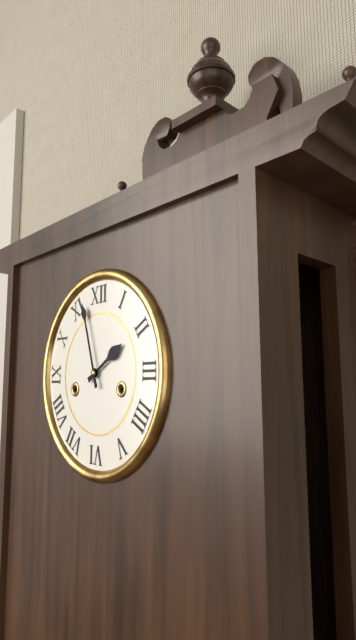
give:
1.57
